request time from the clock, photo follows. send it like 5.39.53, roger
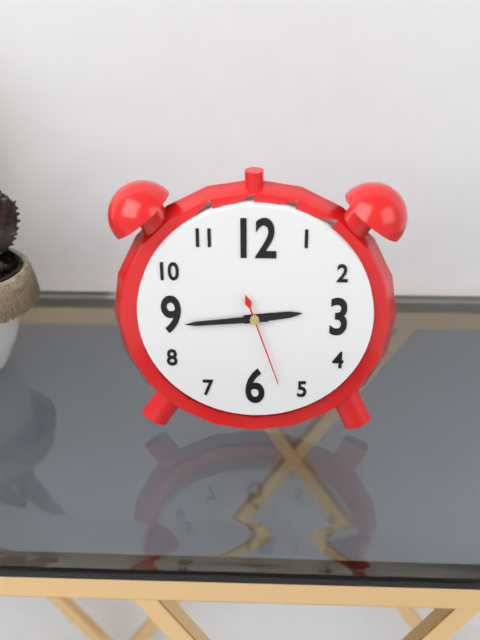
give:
2.44.27
